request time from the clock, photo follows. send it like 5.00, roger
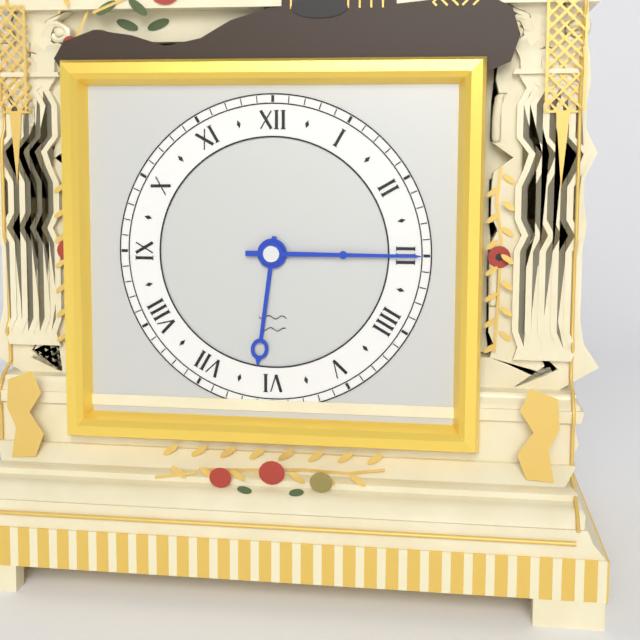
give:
6.15
